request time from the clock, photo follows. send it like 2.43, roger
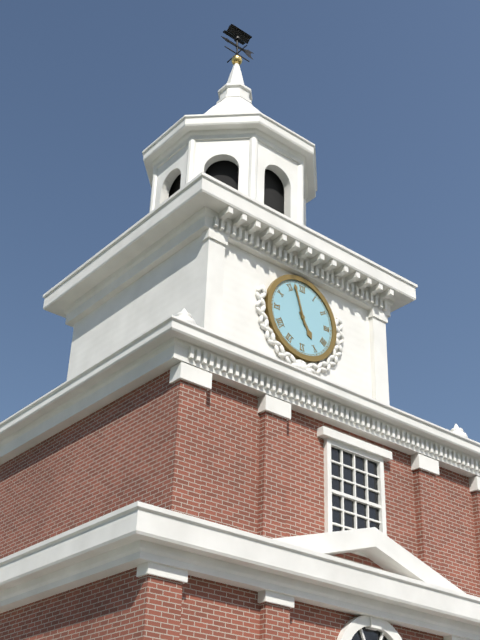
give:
4.57
